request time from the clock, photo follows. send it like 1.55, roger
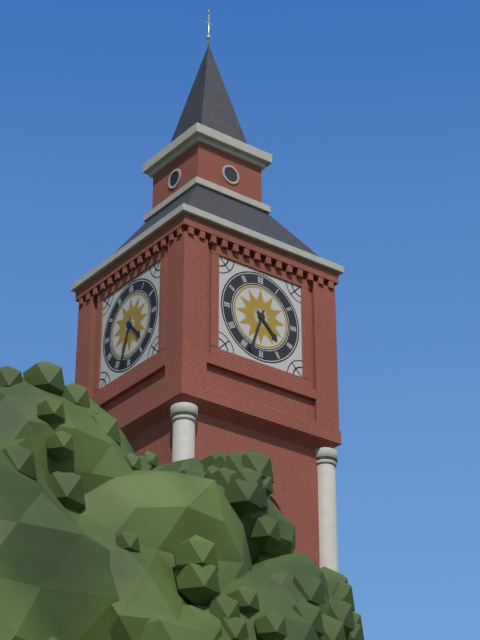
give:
4.33
